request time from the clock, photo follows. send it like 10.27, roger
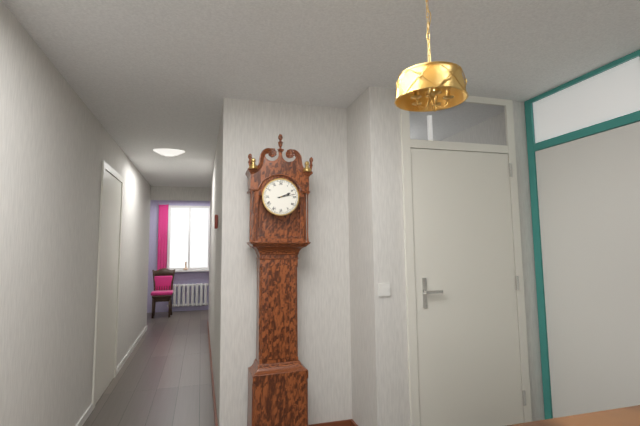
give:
2.13
